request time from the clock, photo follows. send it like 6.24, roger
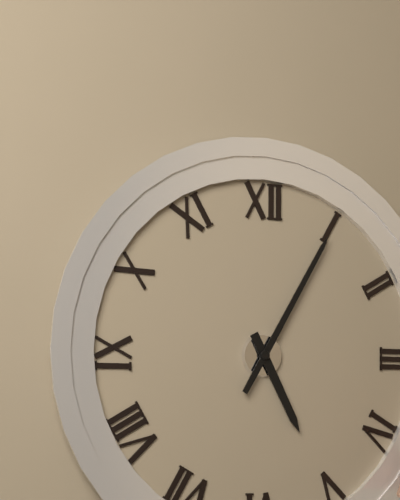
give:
5.05
